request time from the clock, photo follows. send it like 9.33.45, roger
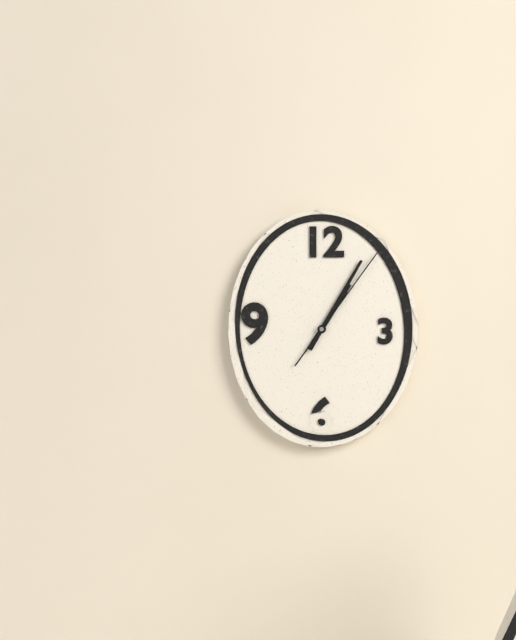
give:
1.05.06
